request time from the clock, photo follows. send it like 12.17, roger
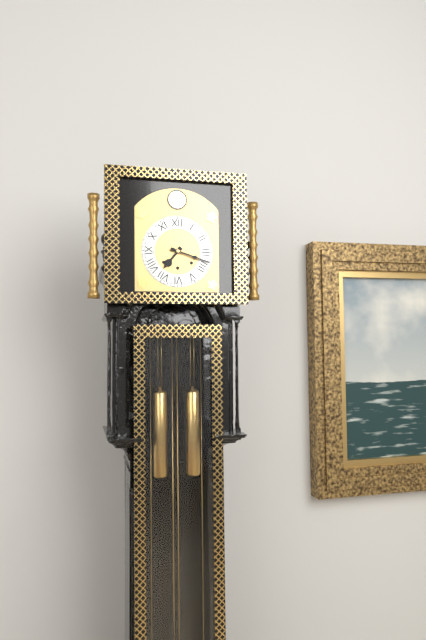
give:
7.18
